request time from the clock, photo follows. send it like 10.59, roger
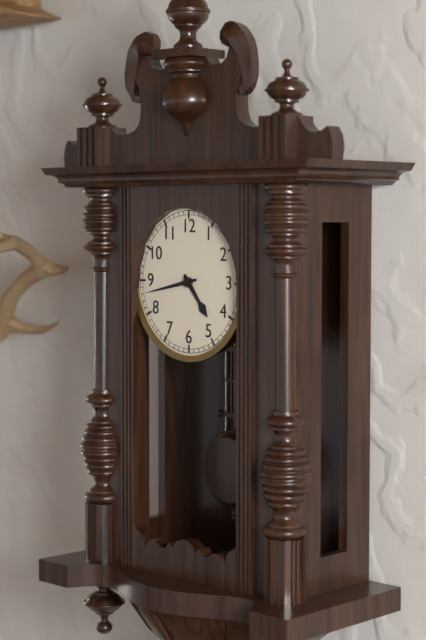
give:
4.43
